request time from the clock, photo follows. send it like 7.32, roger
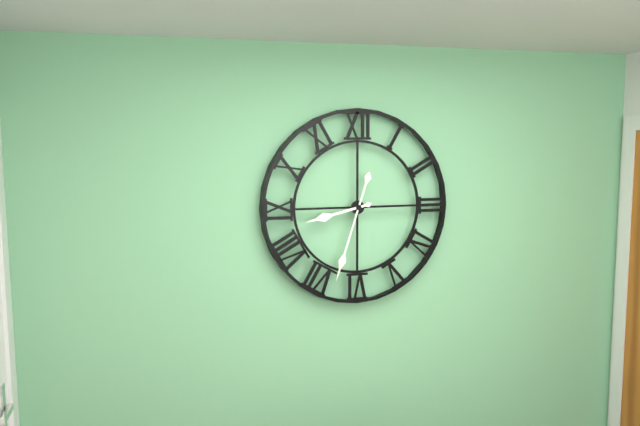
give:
8.33
